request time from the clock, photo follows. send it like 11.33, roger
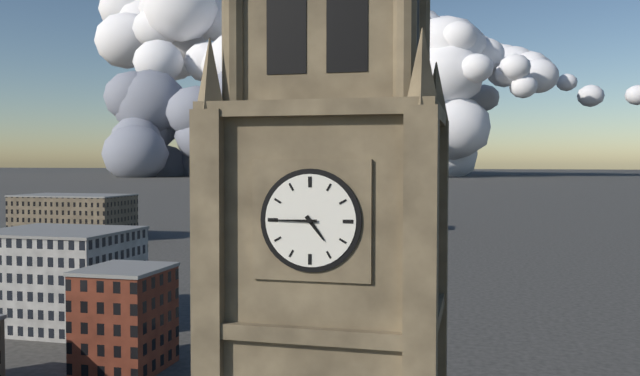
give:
4.45
